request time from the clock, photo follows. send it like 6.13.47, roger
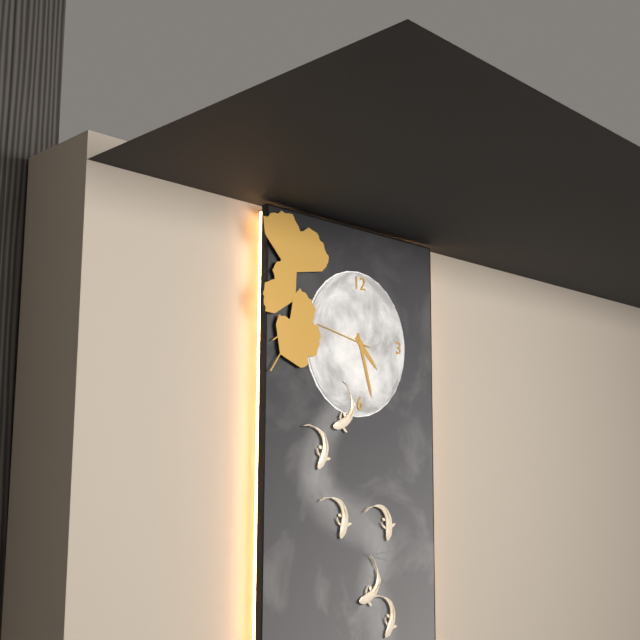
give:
4.27.47
